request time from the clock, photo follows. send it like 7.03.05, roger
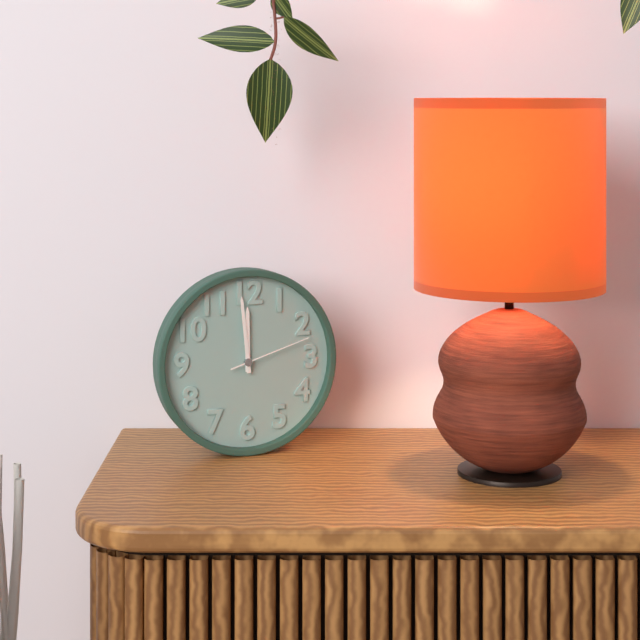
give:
11.59.12
